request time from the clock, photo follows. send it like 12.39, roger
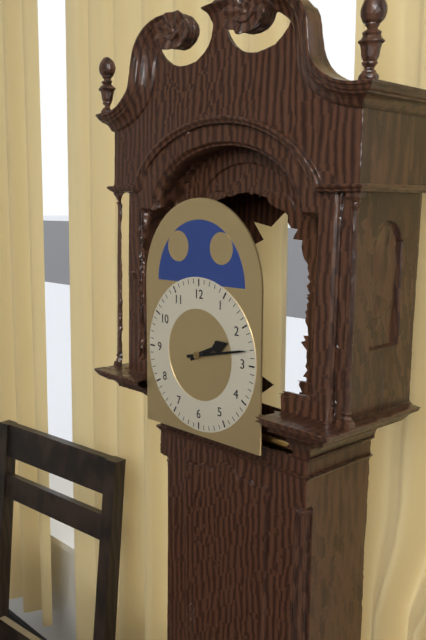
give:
2.13
